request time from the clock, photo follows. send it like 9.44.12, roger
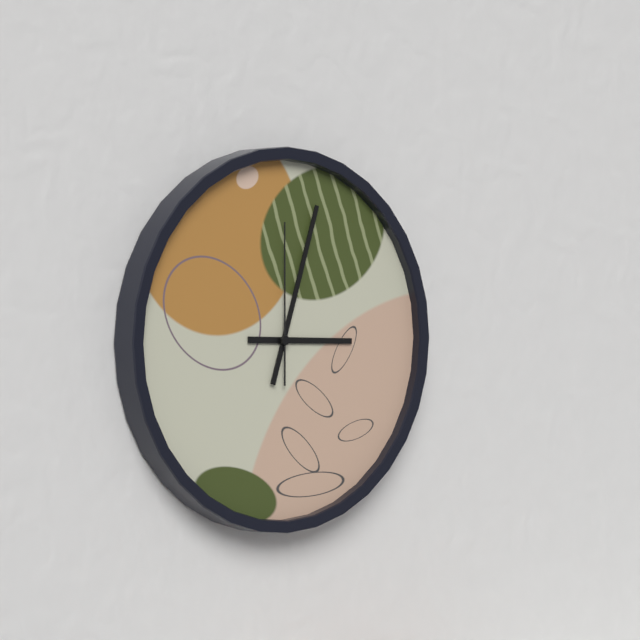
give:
3.03.00
